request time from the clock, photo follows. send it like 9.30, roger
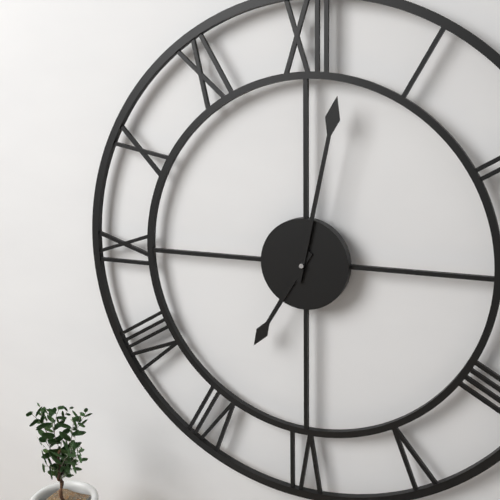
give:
7.02
